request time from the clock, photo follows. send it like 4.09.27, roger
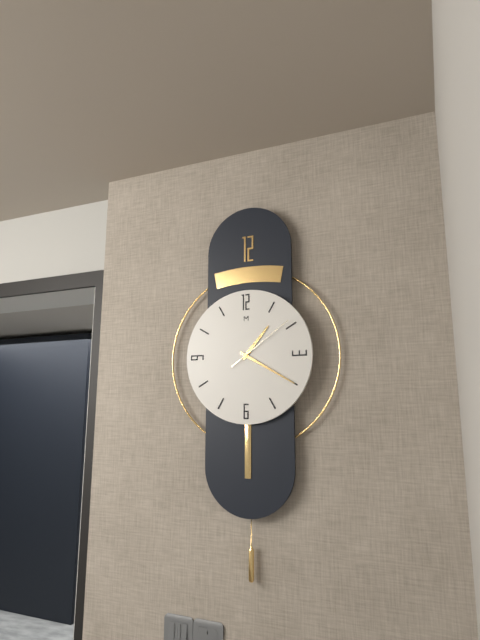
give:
1.20.09
